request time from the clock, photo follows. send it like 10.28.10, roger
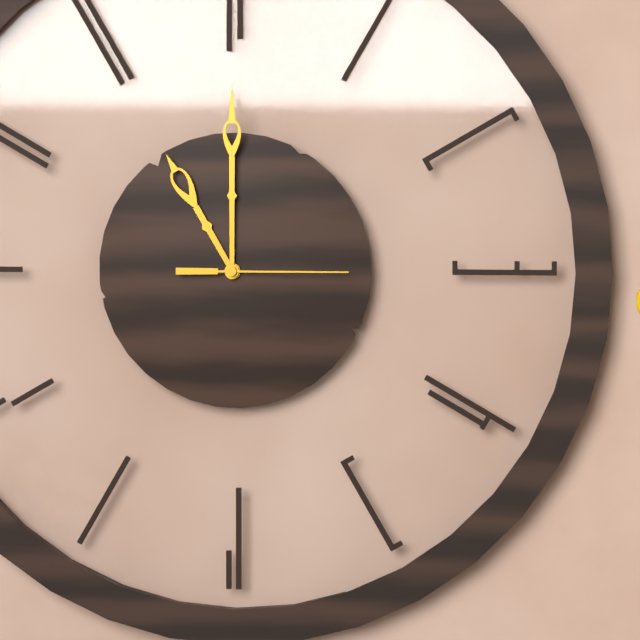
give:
11.00.15
